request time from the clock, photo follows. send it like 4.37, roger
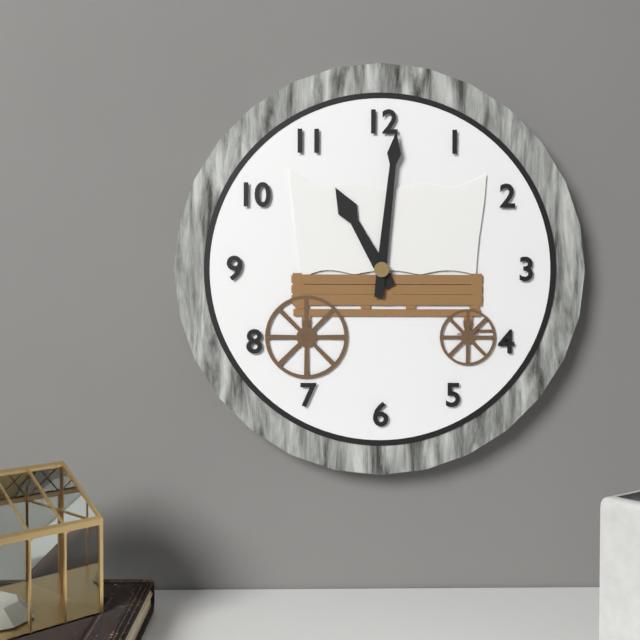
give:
11.01
